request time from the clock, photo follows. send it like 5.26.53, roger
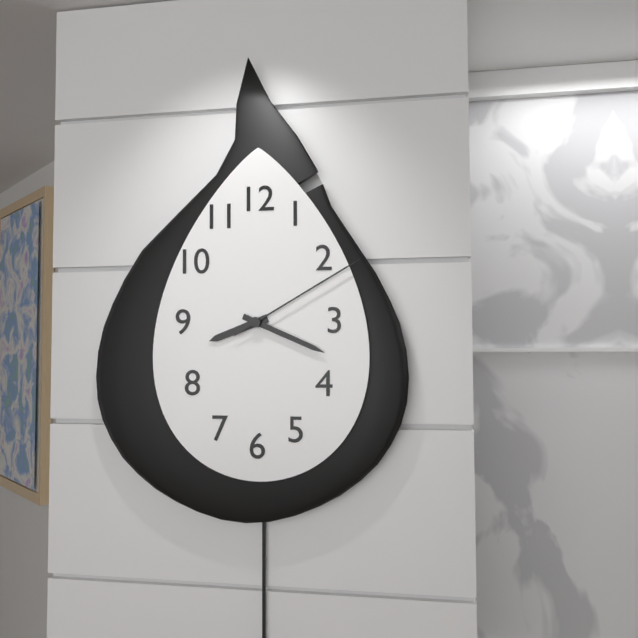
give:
8.19.10
